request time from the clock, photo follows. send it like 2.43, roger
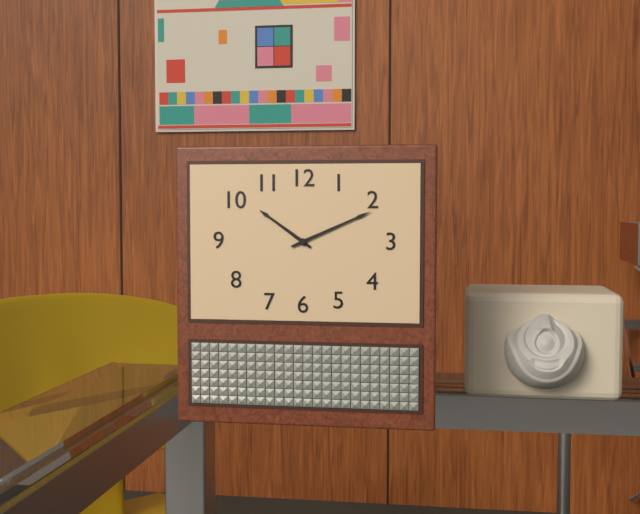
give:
10.11
